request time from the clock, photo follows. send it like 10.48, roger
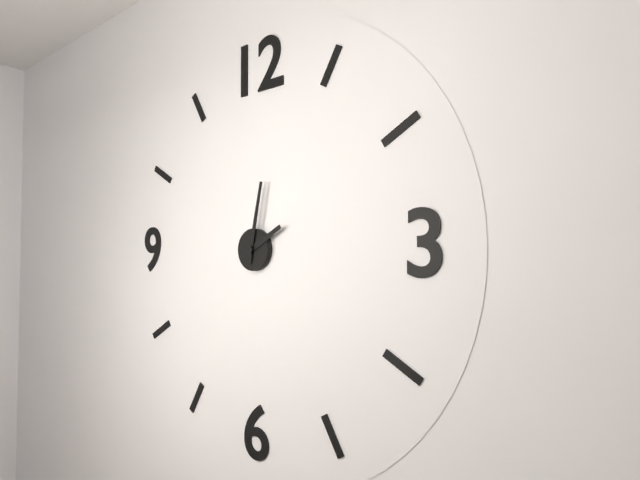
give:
2.02
